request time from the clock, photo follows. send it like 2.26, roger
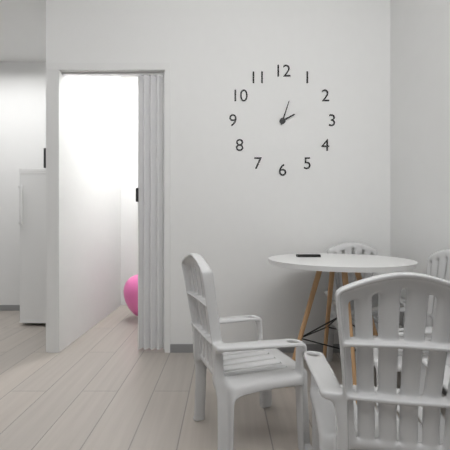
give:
2.03
